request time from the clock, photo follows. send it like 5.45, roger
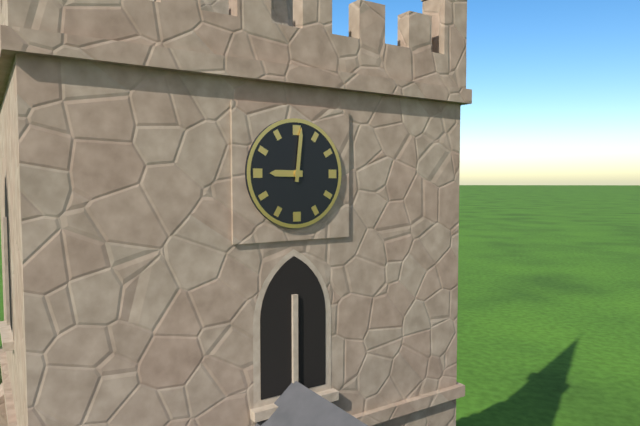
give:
9.01
